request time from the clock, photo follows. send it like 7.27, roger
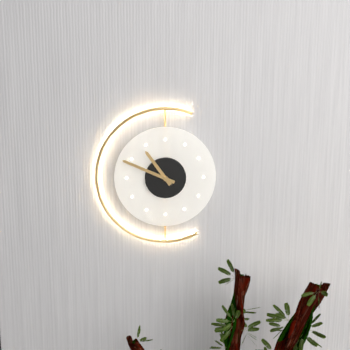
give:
10.49
